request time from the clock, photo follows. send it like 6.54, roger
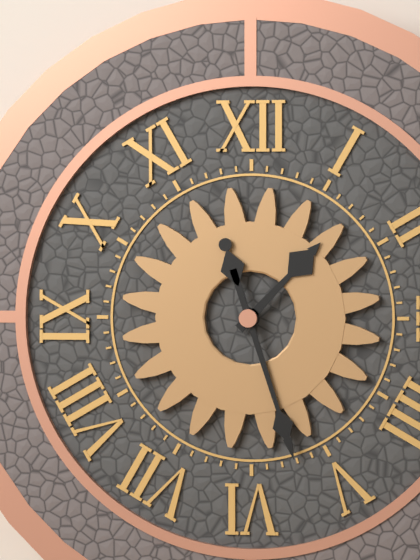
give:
1.27
